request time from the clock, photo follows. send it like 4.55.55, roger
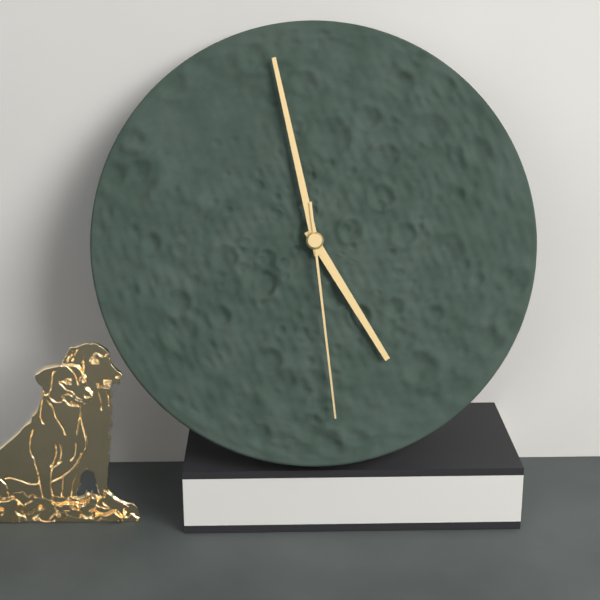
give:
4.58.29
